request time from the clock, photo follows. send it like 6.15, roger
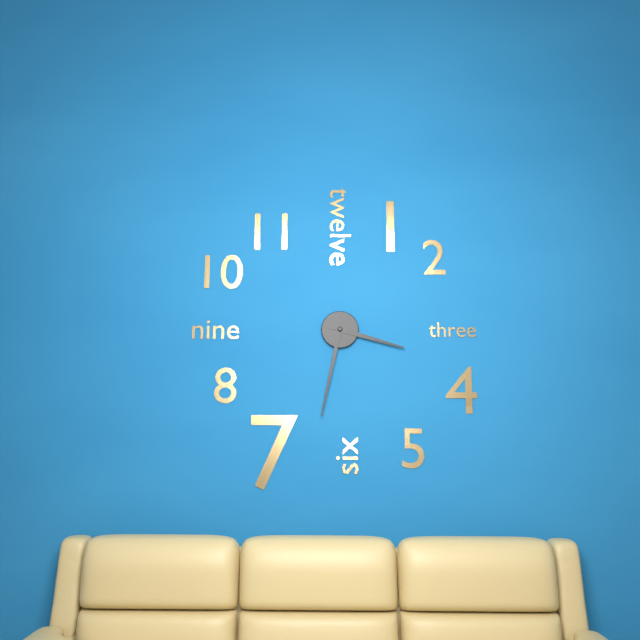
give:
3.32
